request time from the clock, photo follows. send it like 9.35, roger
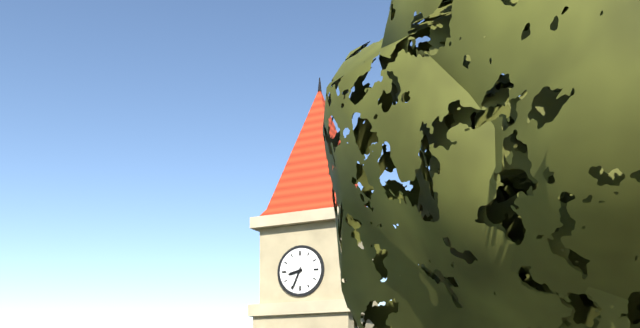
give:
8.34
